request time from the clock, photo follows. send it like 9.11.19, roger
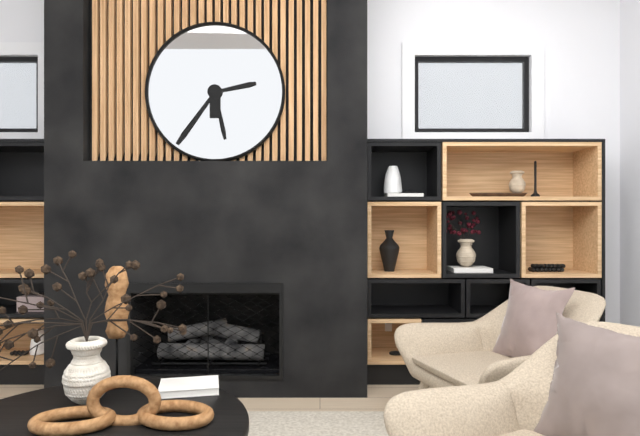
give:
5.36.13
